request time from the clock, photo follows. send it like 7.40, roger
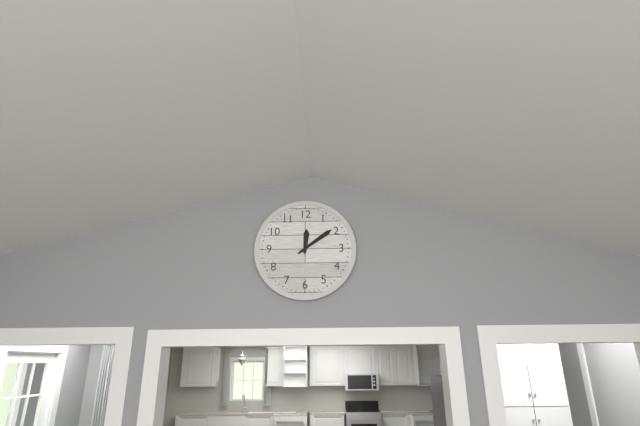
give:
12.09
